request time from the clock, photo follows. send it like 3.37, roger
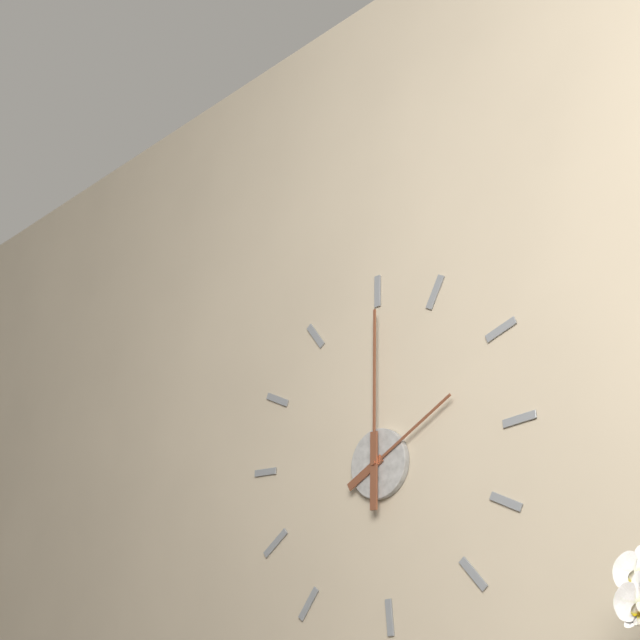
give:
2.00
